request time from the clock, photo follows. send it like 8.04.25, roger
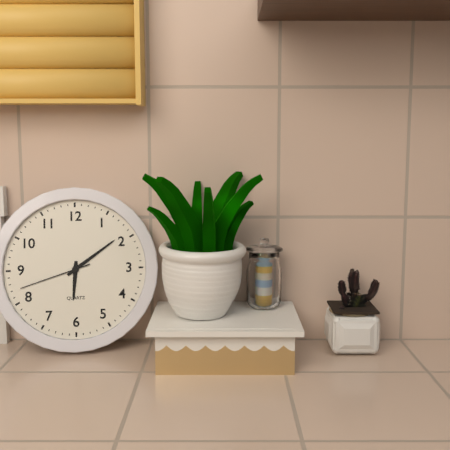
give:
6.09.42
